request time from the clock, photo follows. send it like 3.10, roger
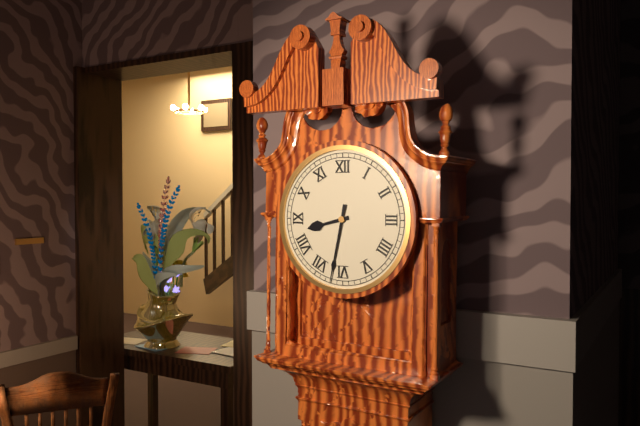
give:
8.32
